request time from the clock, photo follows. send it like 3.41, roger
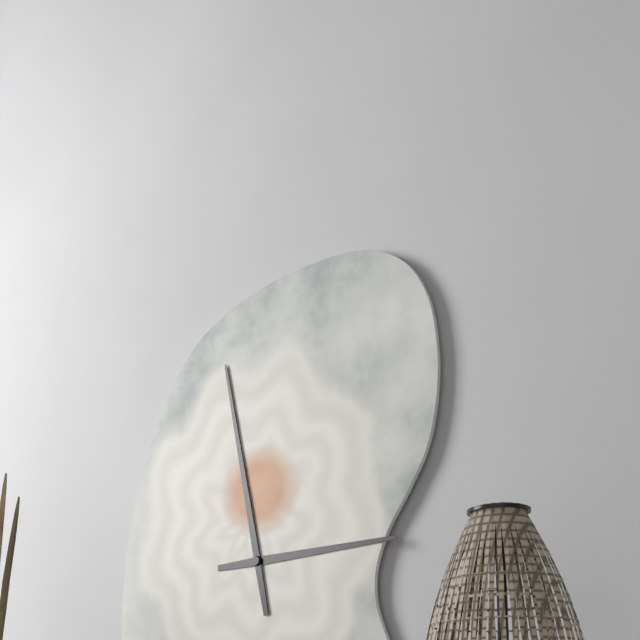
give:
2.58
